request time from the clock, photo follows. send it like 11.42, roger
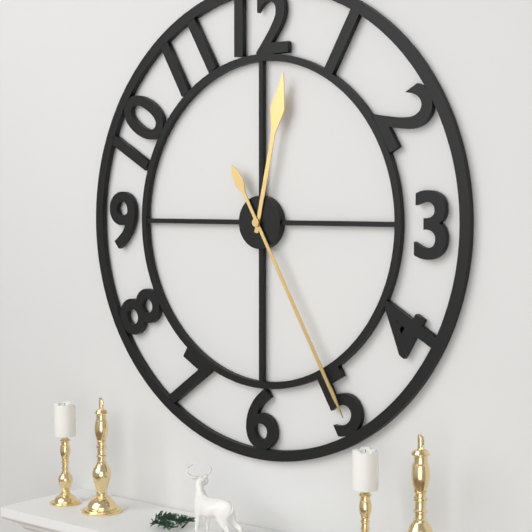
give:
12.25
